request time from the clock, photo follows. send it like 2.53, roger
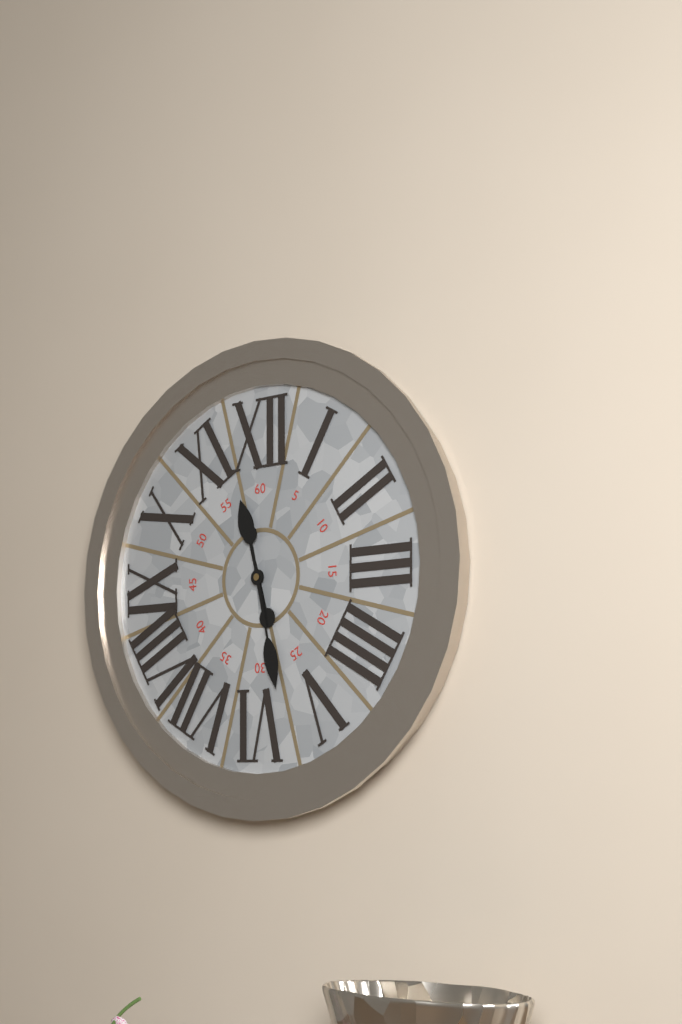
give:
11.28
